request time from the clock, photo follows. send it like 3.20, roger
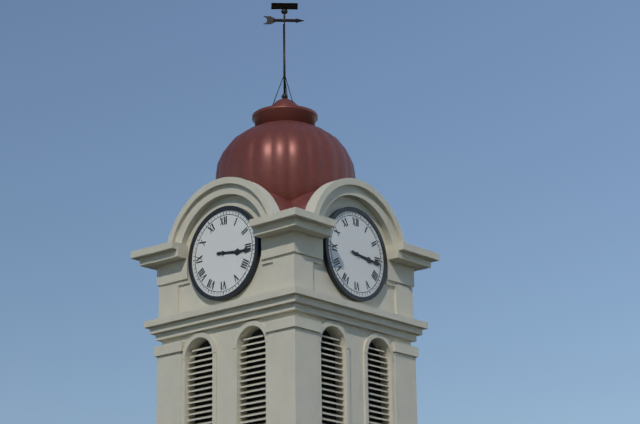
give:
3.16
